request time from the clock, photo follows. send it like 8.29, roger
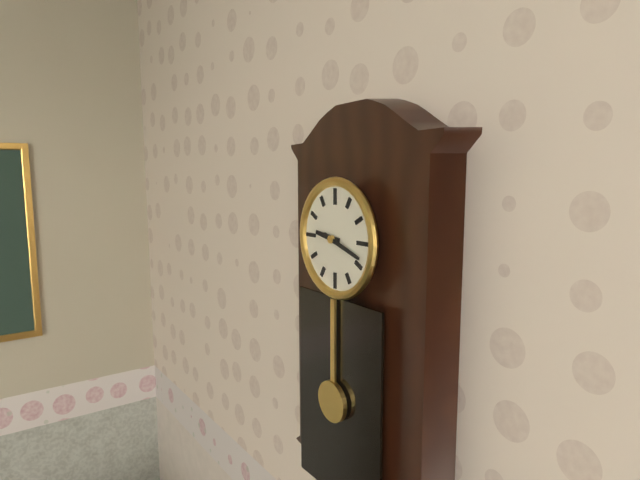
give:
9.18
